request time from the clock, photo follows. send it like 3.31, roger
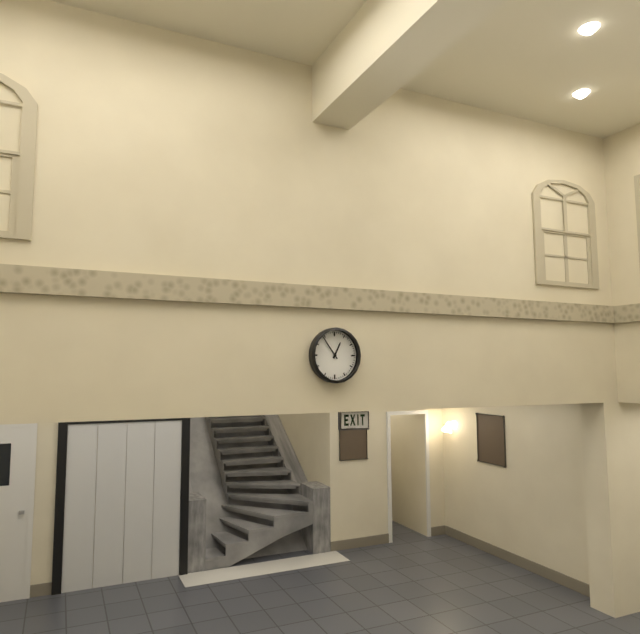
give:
12.54
